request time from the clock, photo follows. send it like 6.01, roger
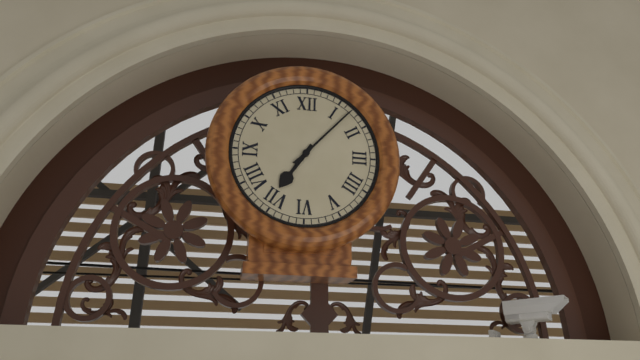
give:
7.07
